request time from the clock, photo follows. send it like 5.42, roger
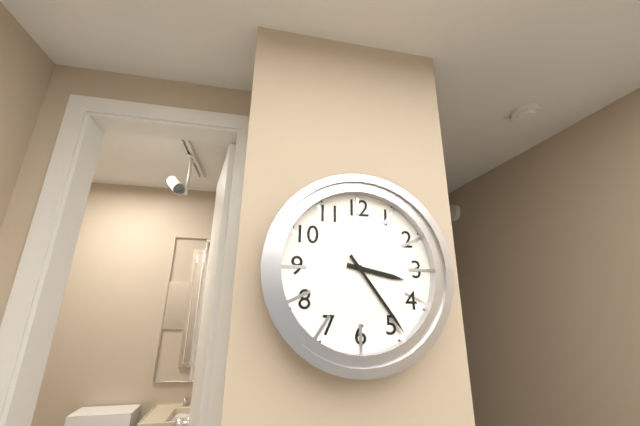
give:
3.24
